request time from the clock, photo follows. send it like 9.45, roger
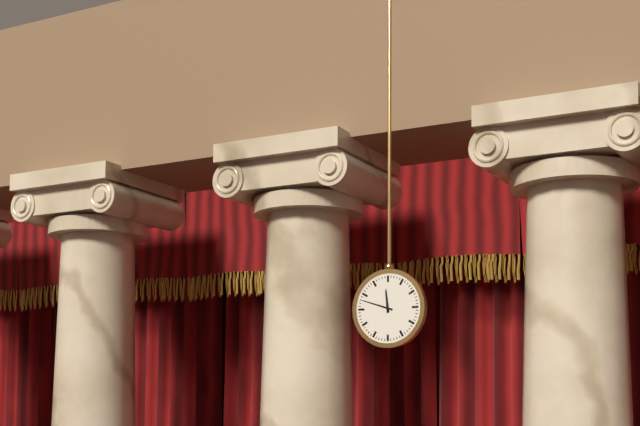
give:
11.48
